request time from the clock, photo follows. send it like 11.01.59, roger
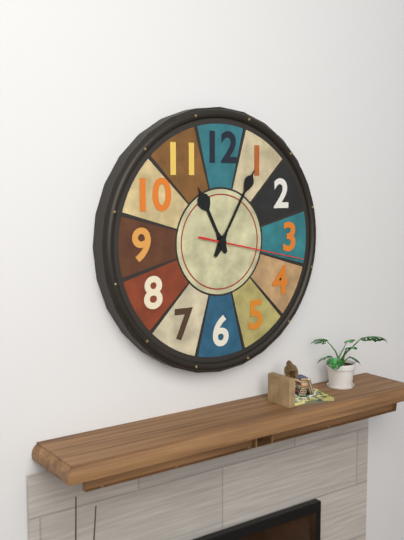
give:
11.05.17
